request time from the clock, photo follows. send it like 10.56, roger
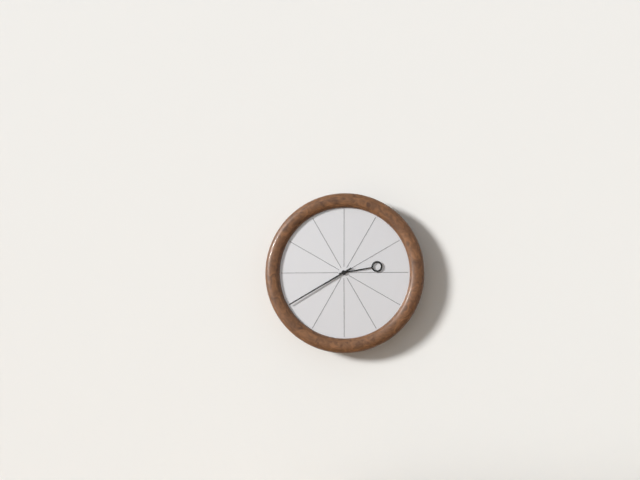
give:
2.40
